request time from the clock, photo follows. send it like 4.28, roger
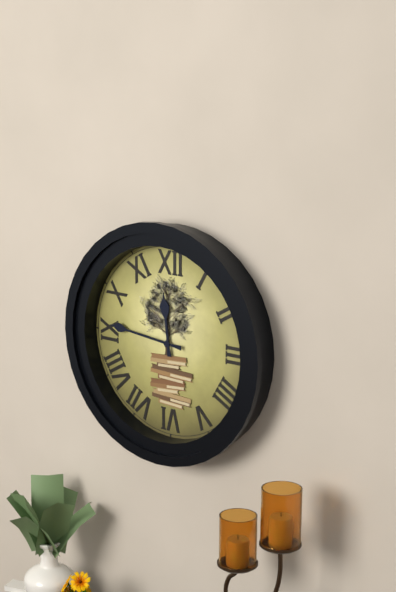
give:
11.46
